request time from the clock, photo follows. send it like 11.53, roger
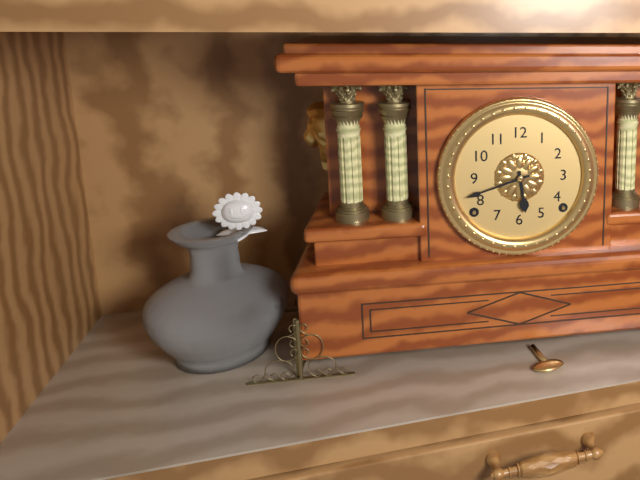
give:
5.42
